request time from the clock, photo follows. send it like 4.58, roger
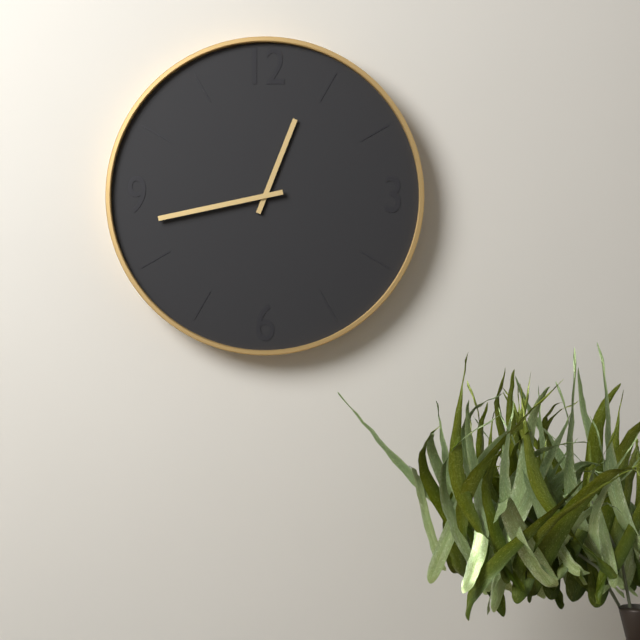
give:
12.43
